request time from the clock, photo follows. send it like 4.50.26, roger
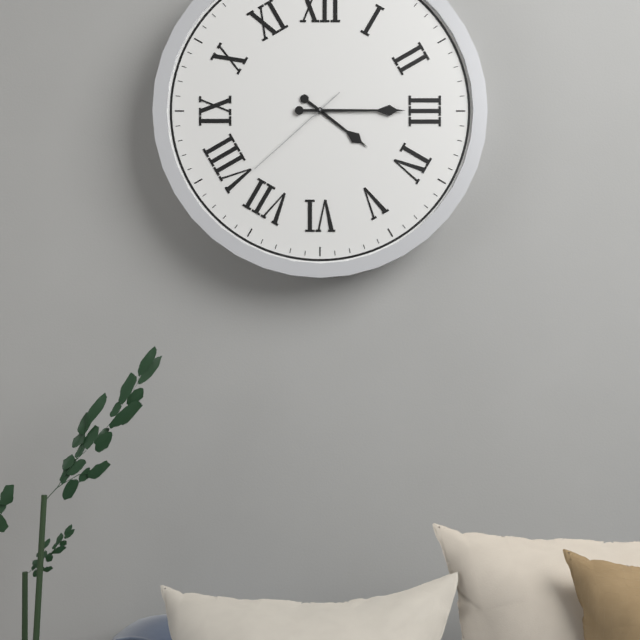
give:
4.15.38
